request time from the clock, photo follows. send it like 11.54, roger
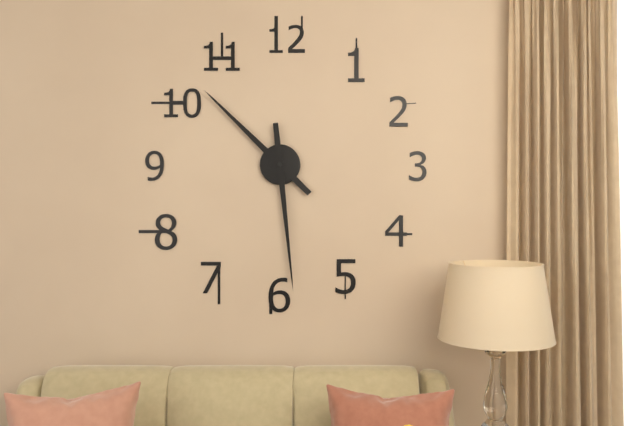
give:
10.29
